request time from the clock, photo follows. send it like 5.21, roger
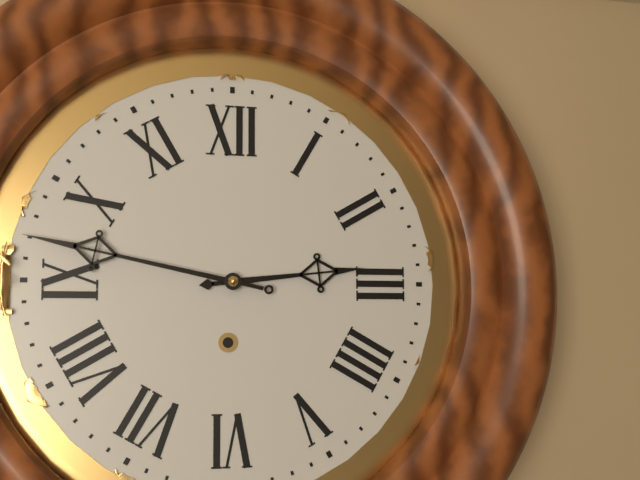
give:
2.47
